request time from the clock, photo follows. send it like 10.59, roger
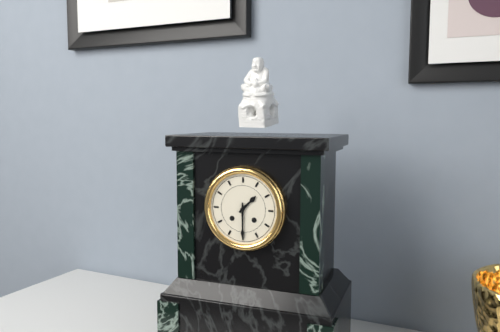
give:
1.30
